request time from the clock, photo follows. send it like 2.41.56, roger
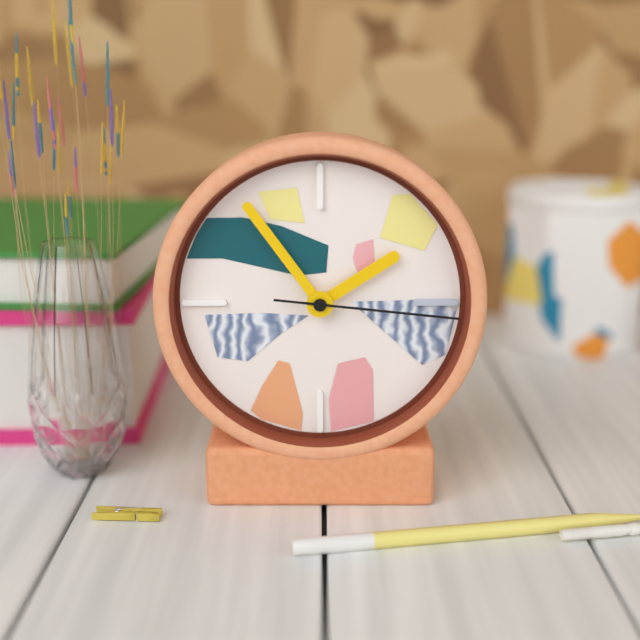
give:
1.54.16
